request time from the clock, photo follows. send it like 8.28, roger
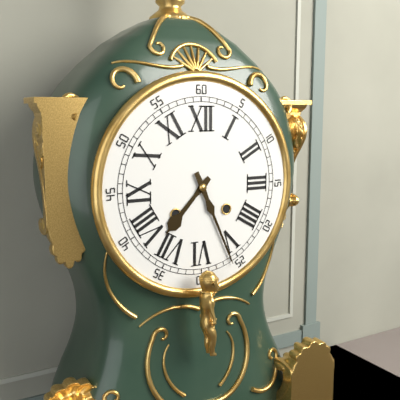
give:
7.26
